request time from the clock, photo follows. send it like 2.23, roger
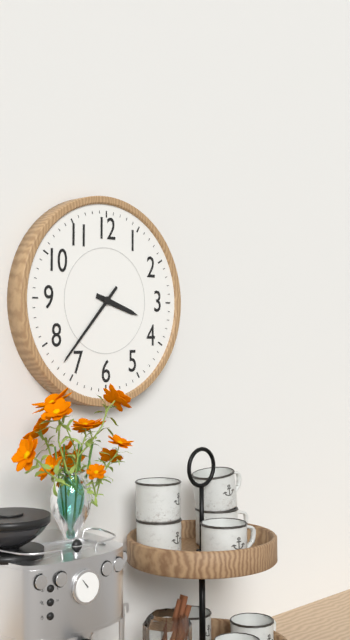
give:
3.37
